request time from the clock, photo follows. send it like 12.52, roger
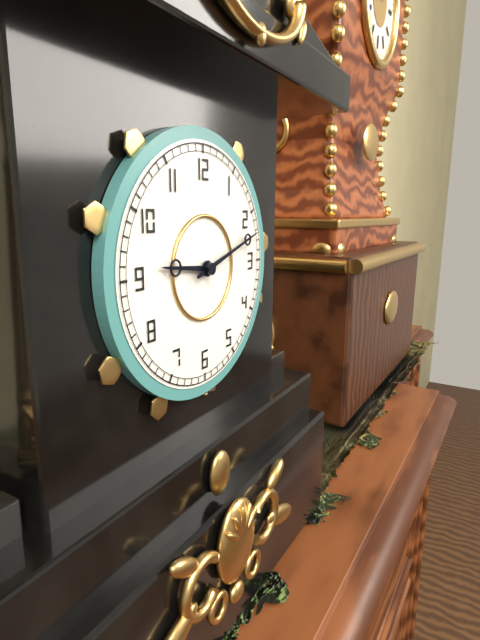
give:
9.12
